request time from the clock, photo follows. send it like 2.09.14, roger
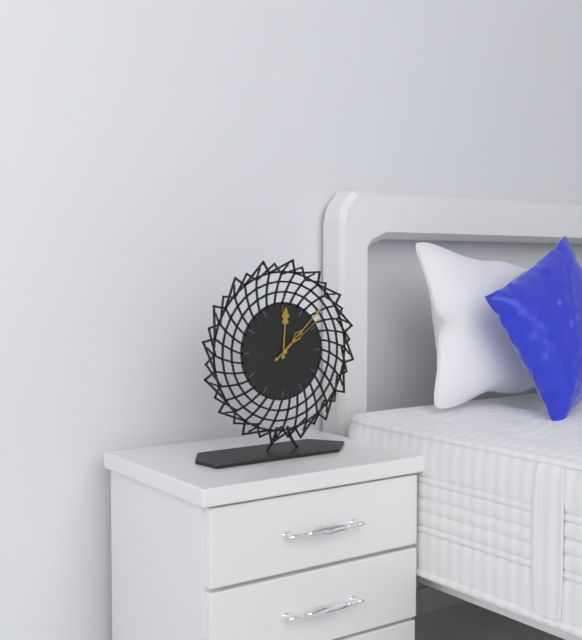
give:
12.08.09
